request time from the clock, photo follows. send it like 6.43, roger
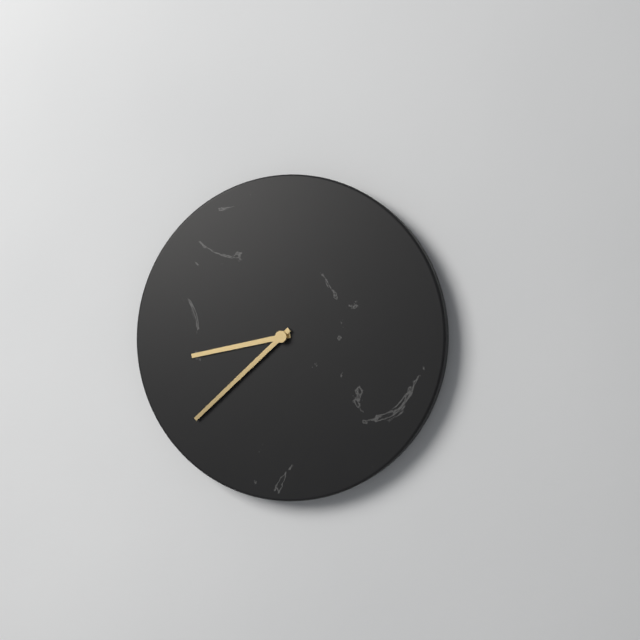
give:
8.38
